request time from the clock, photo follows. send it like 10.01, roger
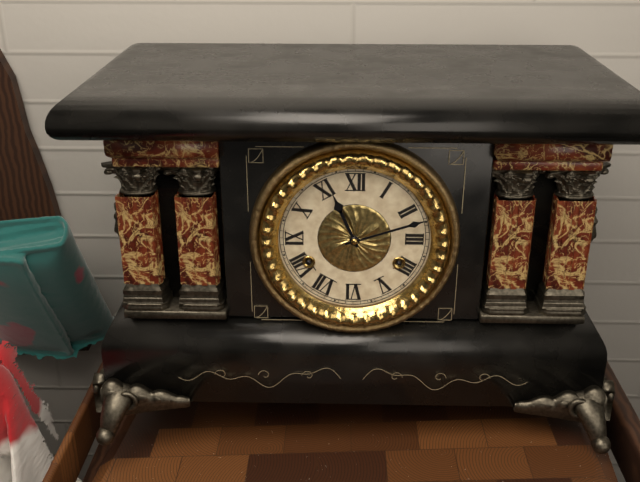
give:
11.12
